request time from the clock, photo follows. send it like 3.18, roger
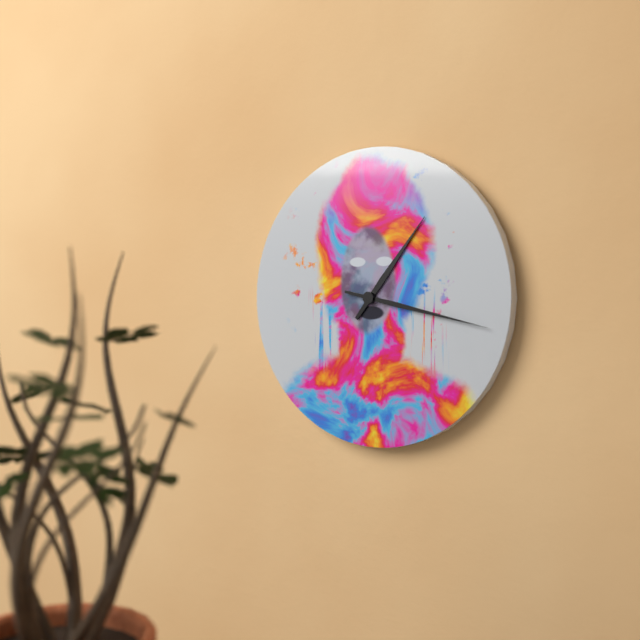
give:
1.17
